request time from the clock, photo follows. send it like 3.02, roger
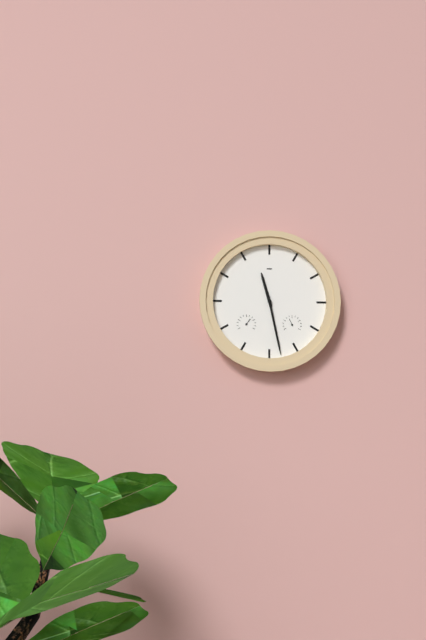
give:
11.28
